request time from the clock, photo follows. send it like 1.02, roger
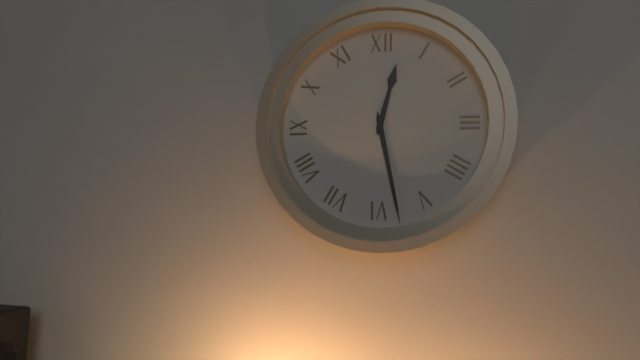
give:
12.28
